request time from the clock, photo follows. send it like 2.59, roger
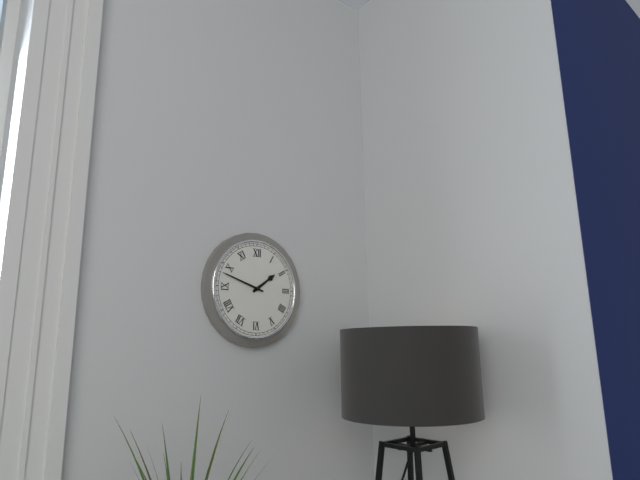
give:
1.48
